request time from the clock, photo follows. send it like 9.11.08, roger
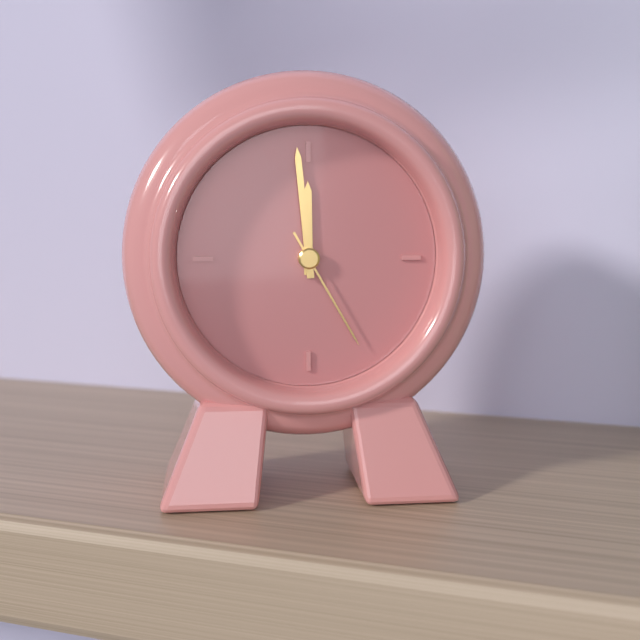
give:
11.59.25
